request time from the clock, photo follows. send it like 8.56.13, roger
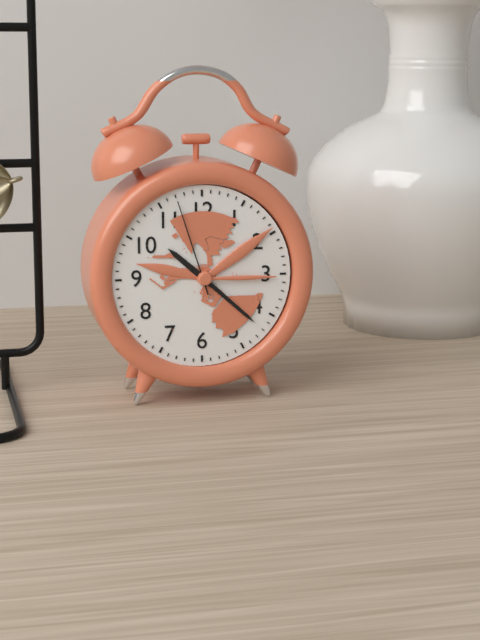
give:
10.22.57
